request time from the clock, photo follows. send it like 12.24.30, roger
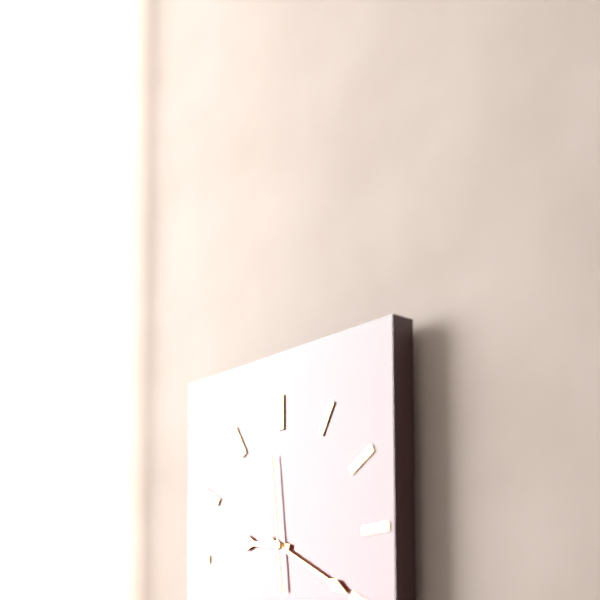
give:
9.20.59
